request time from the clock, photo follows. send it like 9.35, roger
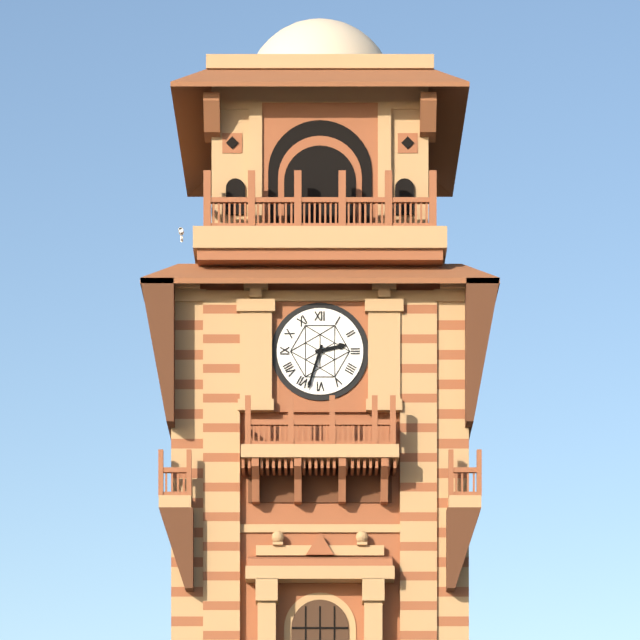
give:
2.33
